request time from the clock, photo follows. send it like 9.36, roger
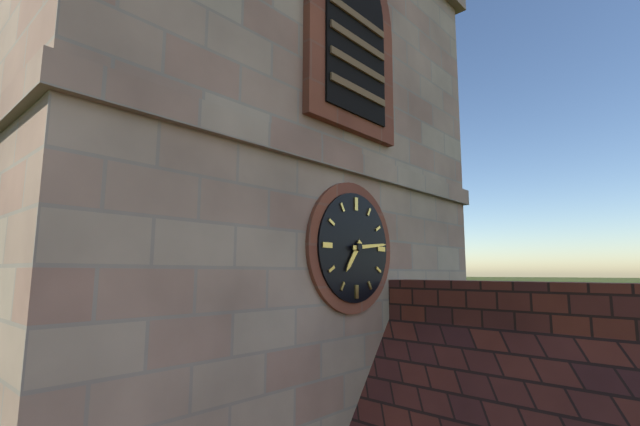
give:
7.14
